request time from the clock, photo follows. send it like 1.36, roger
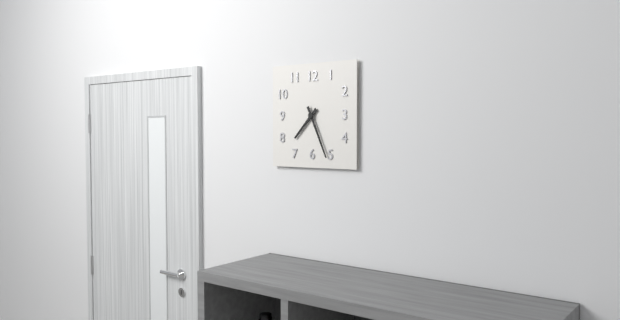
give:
7.26
